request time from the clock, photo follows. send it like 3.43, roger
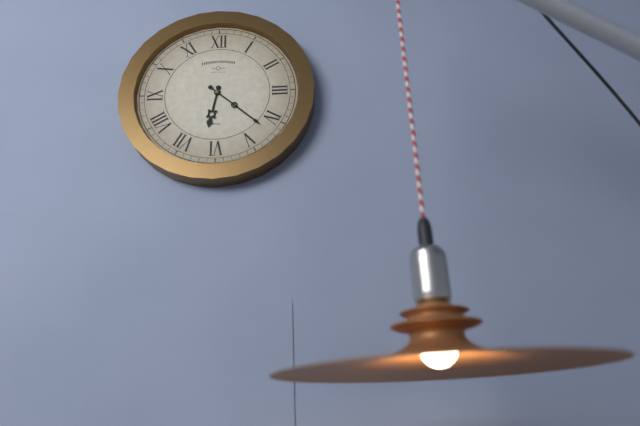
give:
6.22
